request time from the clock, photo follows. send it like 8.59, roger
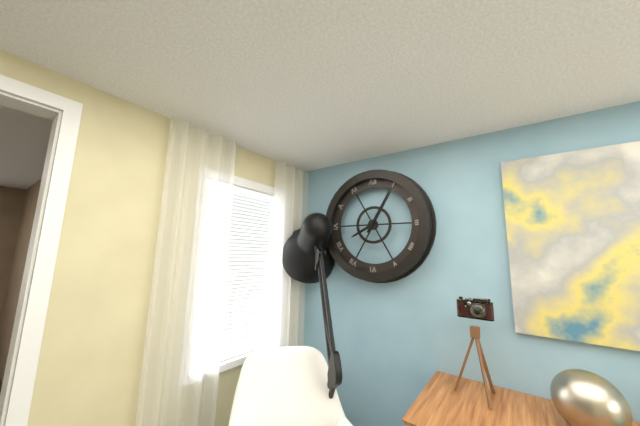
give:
8.05
